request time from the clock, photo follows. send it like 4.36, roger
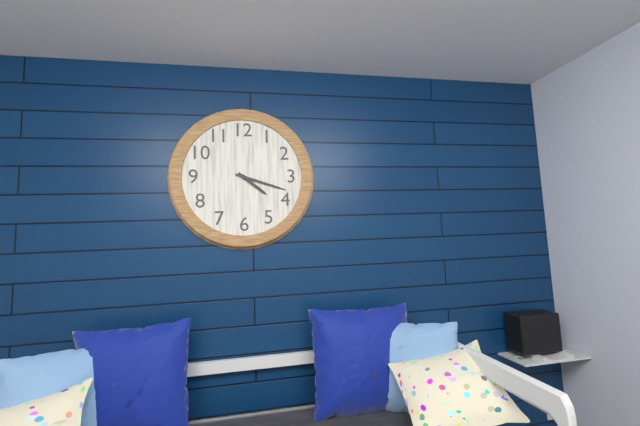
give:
4.18
